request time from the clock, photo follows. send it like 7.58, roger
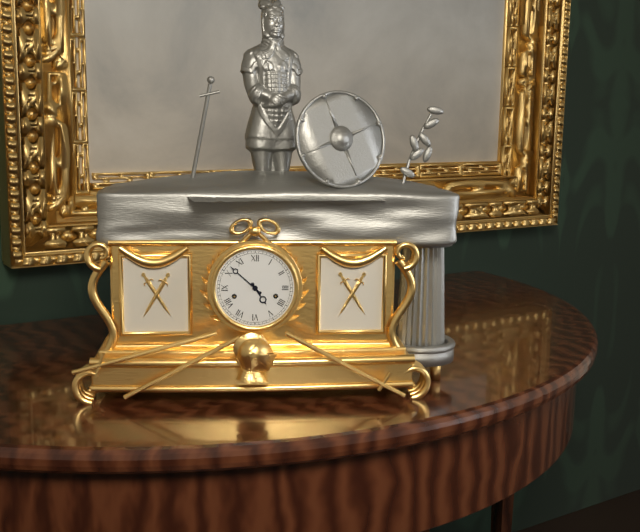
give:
4.52
